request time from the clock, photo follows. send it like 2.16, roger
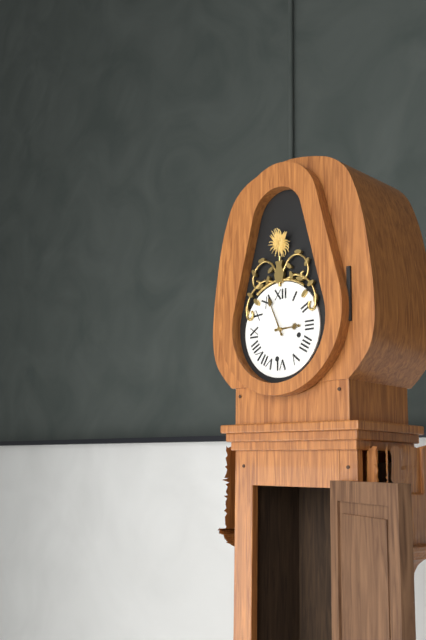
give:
2.56
